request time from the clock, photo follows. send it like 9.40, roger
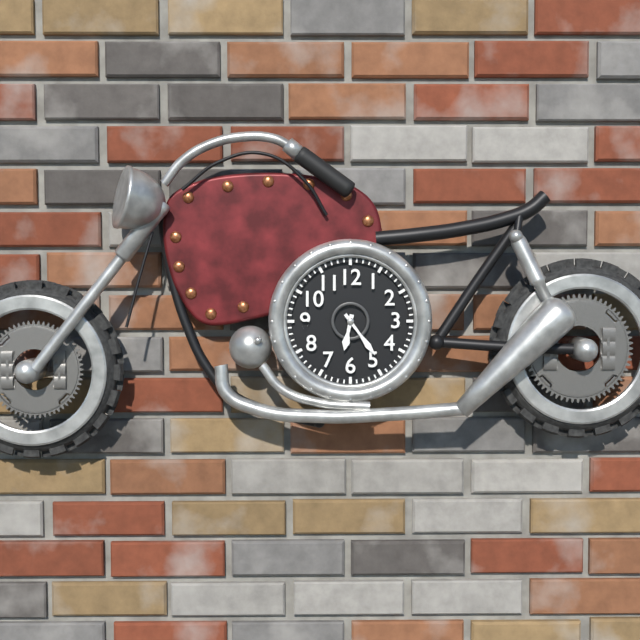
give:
6.24
